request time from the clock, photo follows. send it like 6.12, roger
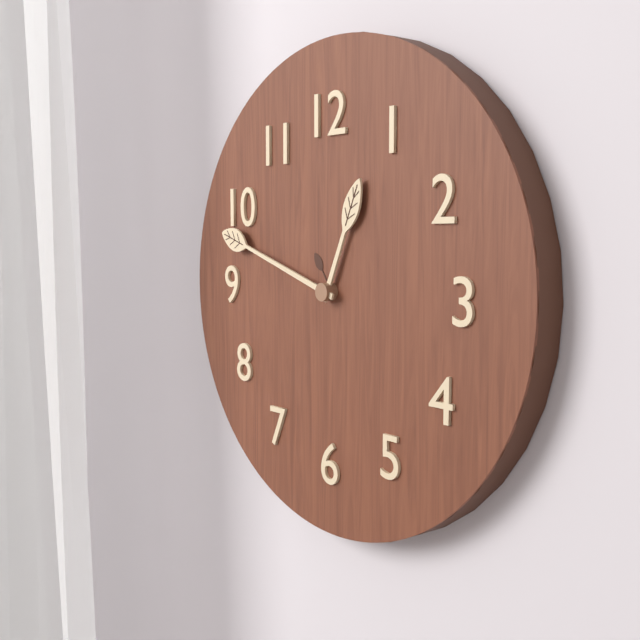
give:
12.48
